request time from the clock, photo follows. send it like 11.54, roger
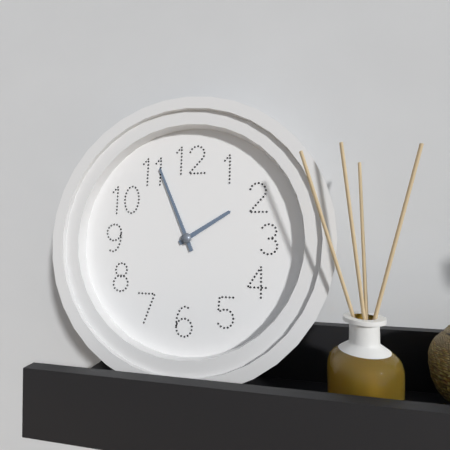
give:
1.56
